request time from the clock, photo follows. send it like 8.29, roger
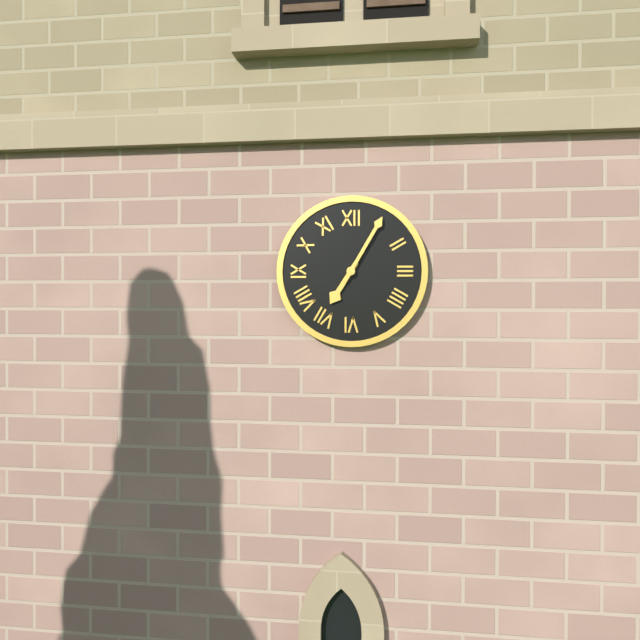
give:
7.05
